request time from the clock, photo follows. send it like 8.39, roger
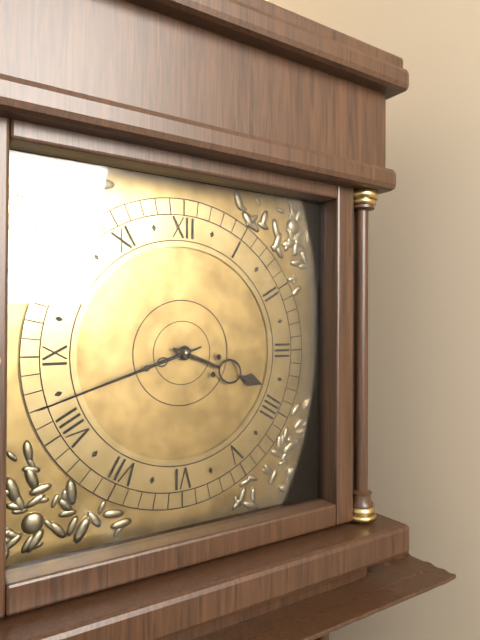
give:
3.42
